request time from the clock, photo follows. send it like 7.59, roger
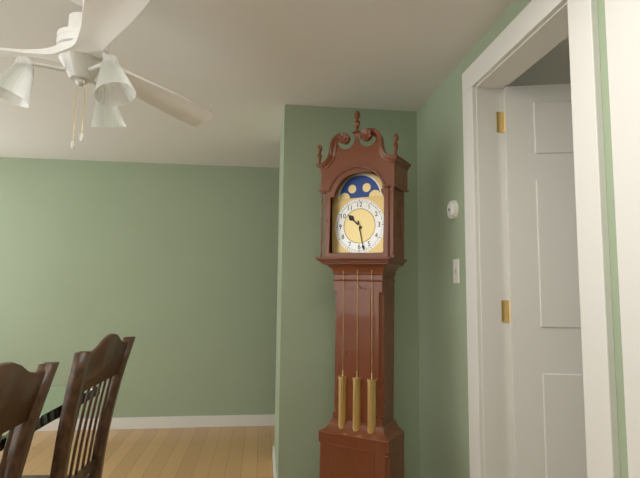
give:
10.28
